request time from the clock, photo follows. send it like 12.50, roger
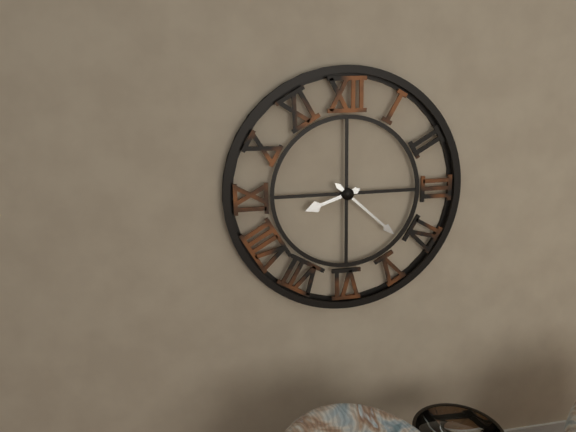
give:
8.22
